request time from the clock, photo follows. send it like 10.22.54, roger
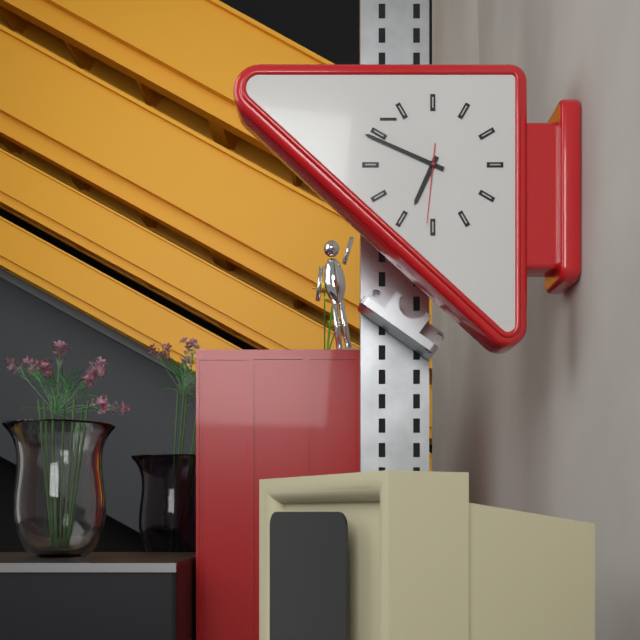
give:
6.49.31
